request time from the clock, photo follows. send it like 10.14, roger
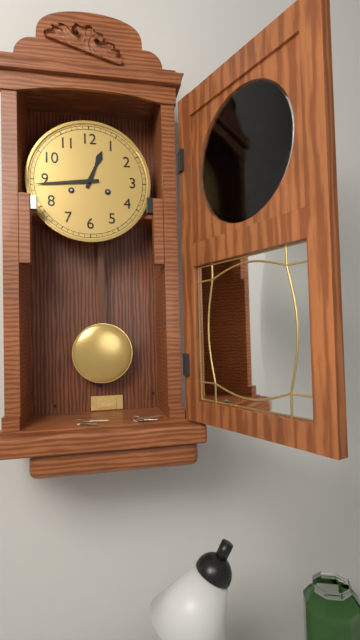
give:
12.44
